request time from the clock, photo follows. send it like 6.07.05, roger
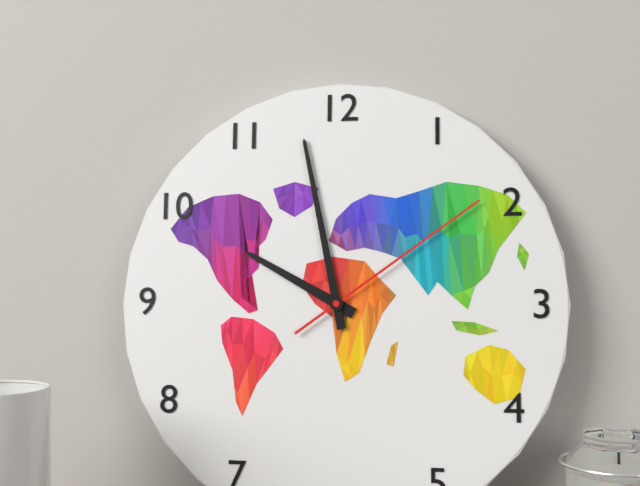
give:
9.58.09
